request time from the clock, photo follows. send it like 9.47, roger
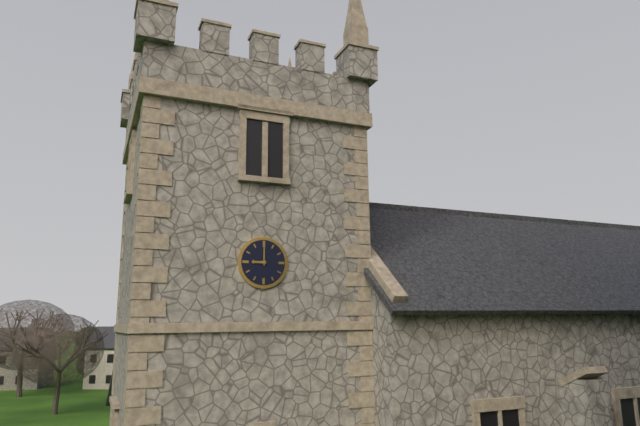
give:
9.00
